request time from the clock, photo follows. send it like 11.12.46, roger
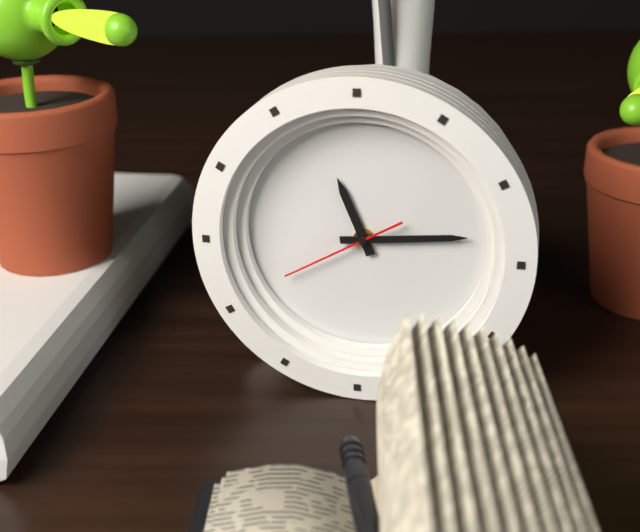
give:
11.14.40
